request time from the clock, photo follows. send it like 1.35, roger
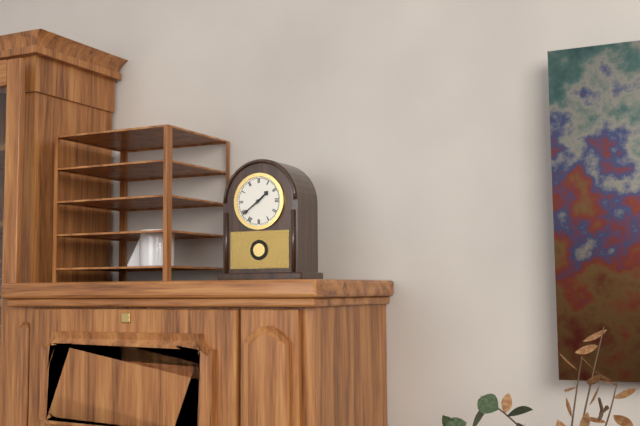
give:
1.39
